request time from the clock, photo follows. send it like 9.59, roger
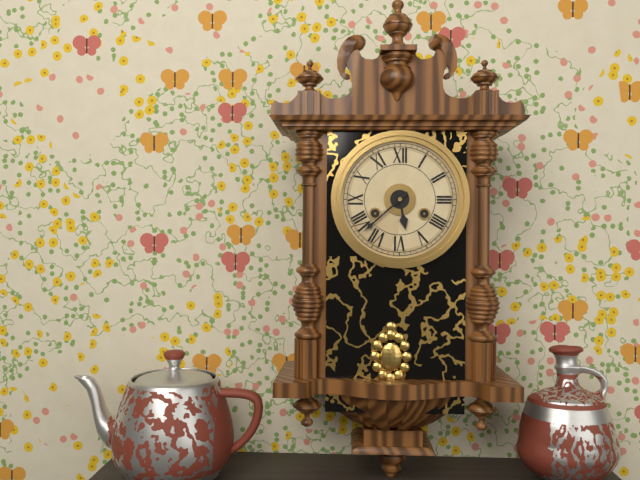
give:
5.38
